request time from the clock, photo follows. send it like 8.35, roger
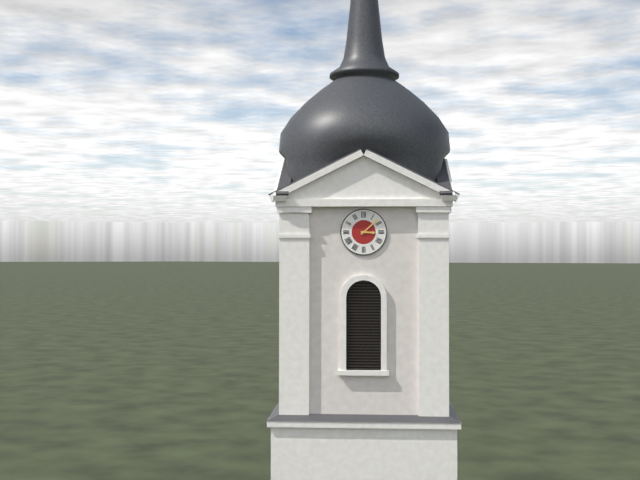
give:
3.08
